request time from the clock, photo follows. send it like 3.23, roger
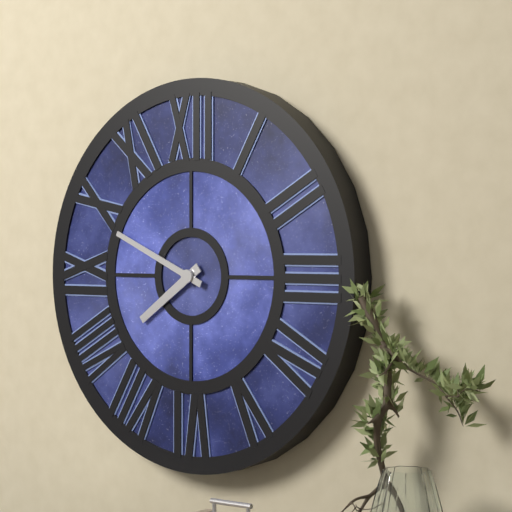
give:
7.49
